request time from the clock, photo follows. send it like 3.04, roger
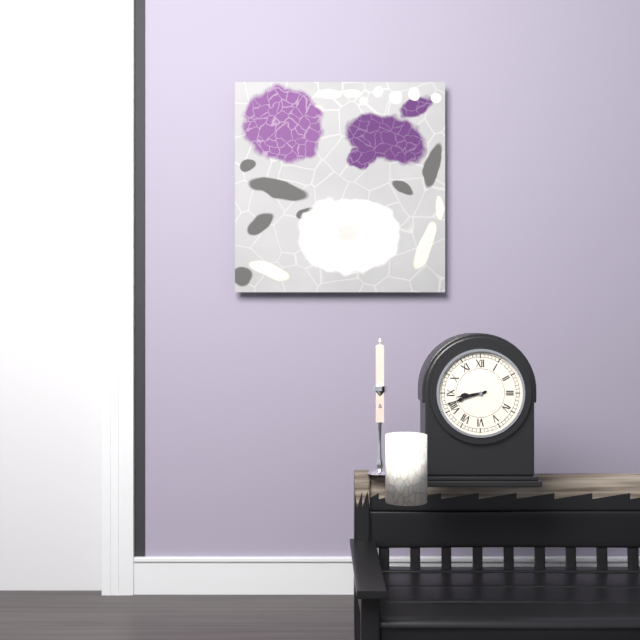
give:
8.42
